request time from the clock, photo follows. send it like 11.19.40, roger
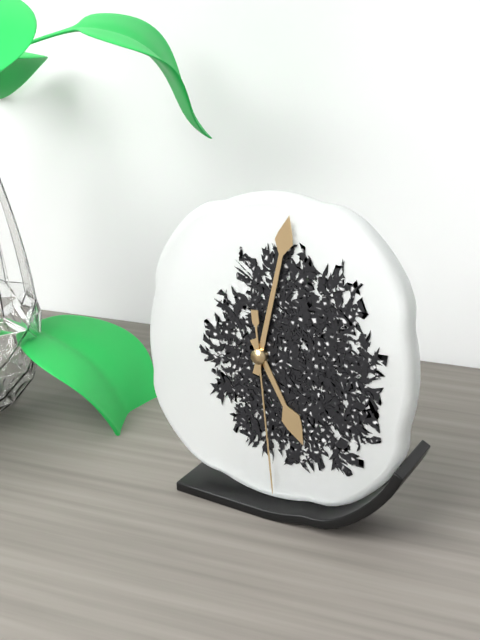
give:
5.02.29
